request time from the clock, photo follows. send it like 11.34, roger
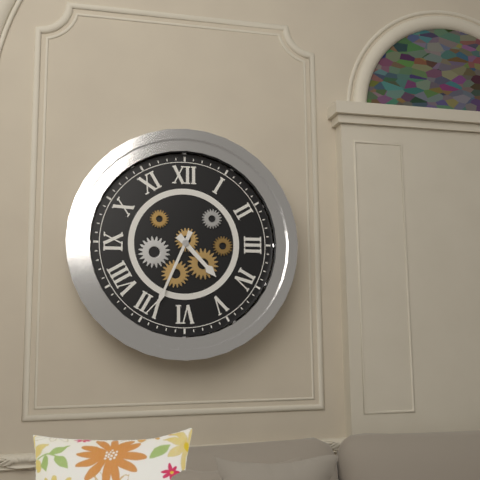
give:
4.34
